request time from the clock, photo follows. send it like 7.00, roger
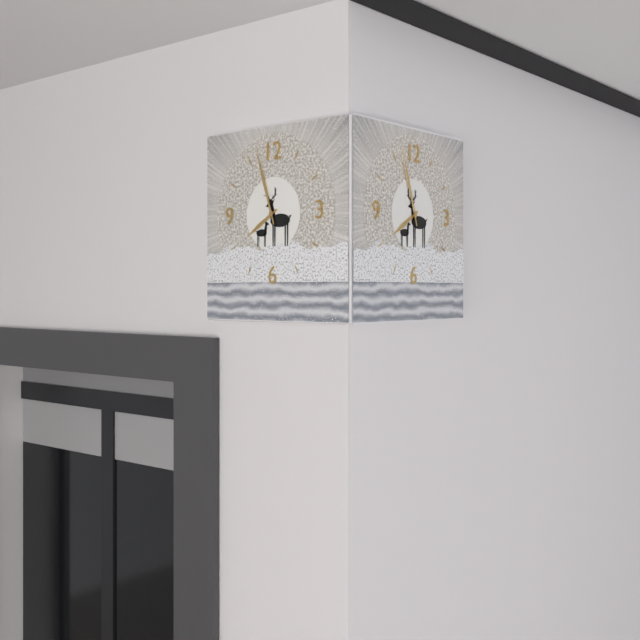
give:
7.57
